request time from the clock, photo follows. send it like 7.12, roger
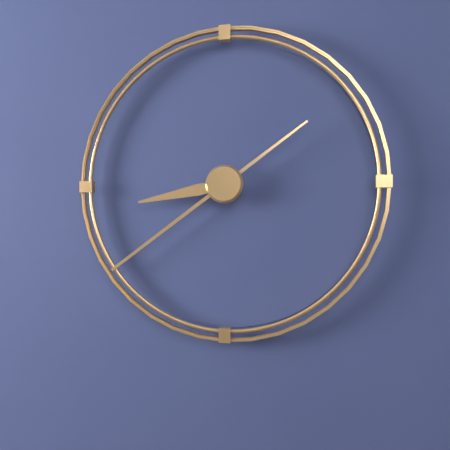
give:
8.39
